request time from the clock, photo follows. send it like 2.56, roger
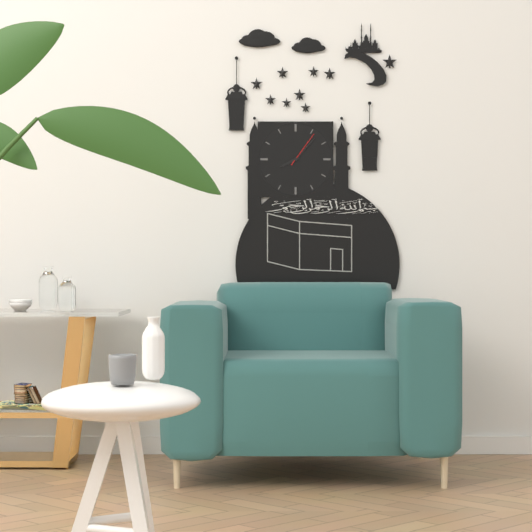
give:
8.07
